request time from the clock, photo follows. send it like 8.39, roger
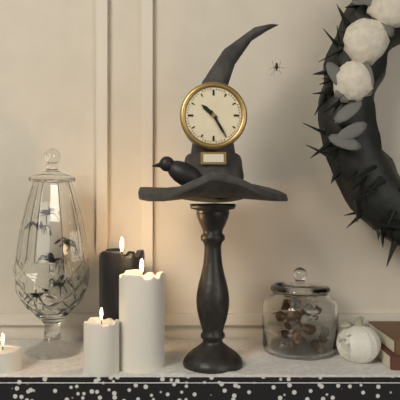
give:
10.25
